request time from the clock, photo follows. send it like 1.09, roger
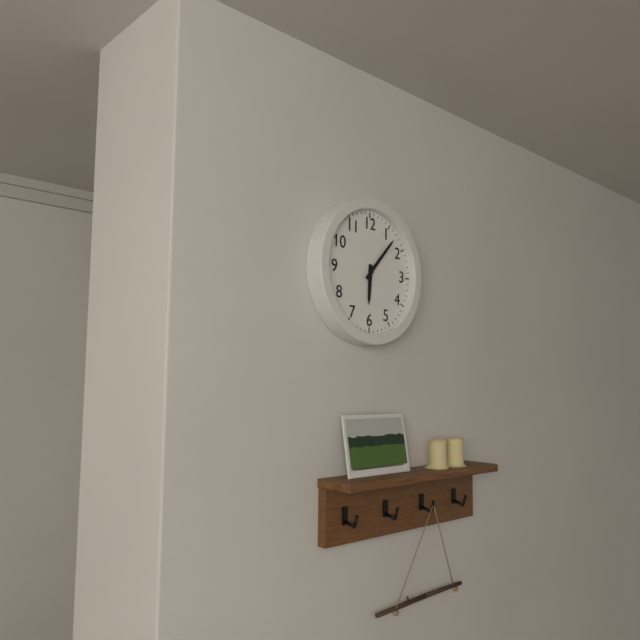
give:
6.07
